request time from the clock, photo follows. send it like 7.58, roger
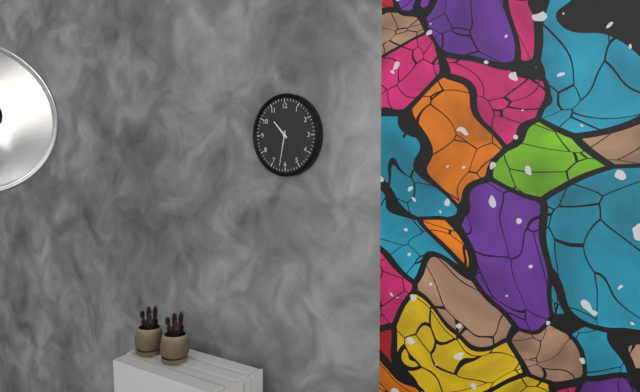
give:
10.32
